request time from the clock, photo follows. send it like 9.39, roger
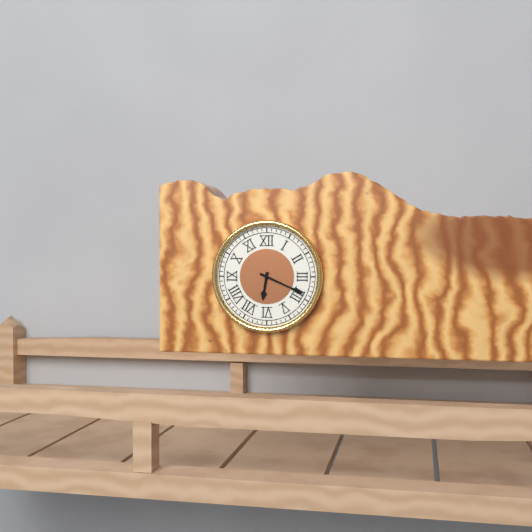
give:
6.19
